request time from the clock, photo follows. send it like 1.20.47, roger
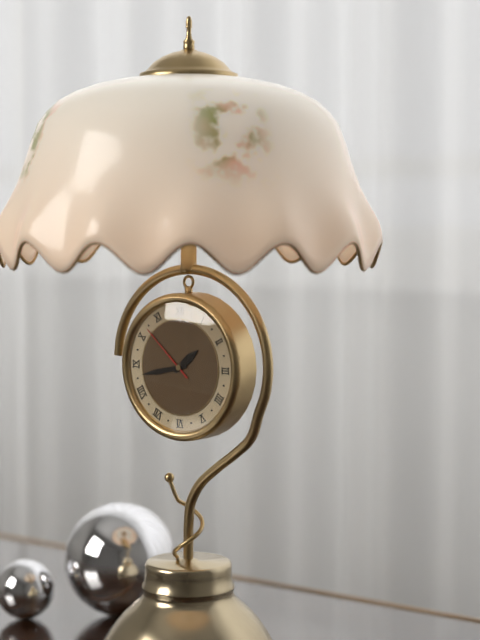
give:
1.43.52
